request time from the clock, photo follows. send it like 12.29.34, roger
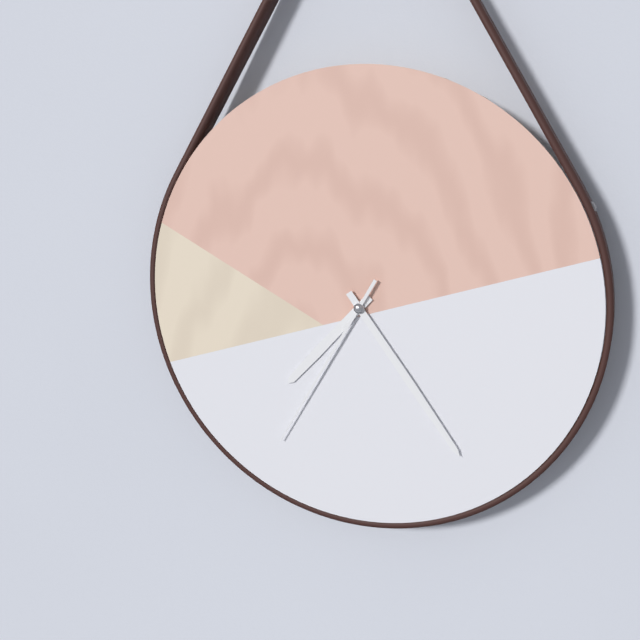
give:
7.24.35
